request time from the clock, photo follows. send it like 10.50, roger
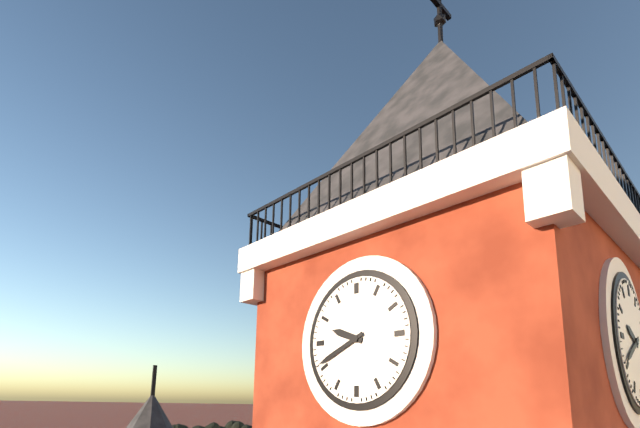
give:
9.41
